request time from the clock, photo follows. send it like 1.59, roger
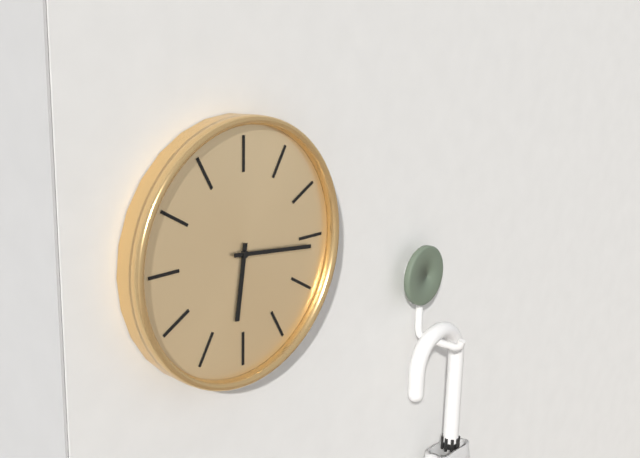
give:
6.16
